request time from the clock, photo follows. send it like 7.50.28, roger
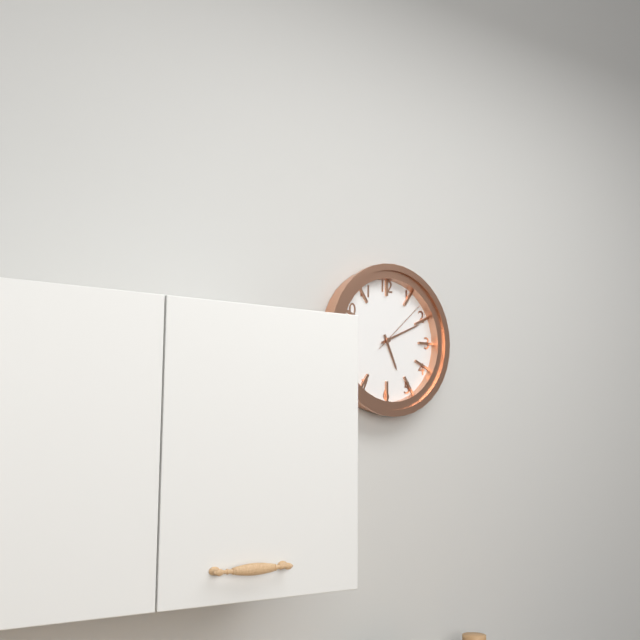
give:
5.11.08
